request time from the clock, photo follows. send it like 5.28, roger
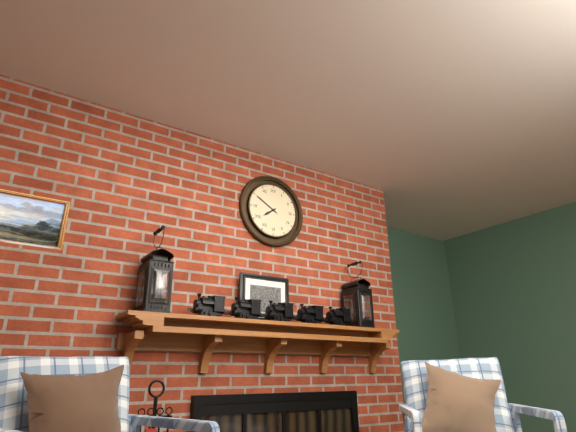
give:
7.50
